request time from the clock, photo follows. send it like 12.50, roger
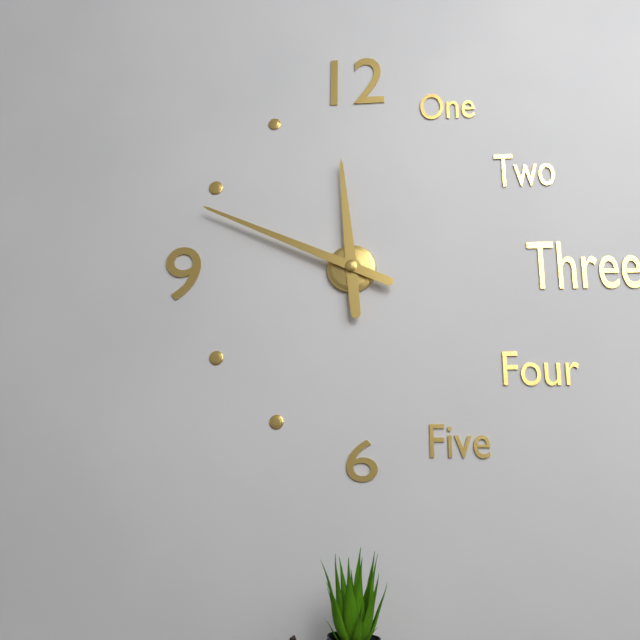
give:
11.49
